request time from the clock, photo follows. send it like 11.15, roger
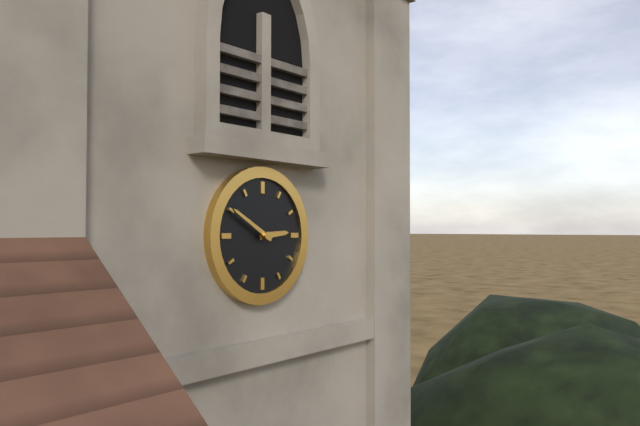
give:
2.50
